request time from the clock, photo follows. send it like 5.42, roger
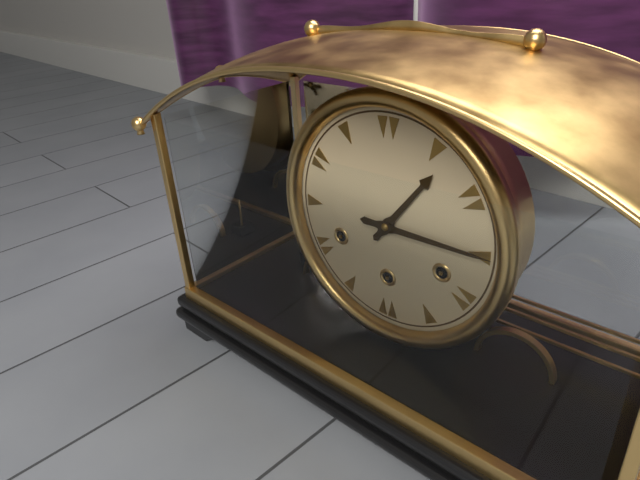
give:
1.15
